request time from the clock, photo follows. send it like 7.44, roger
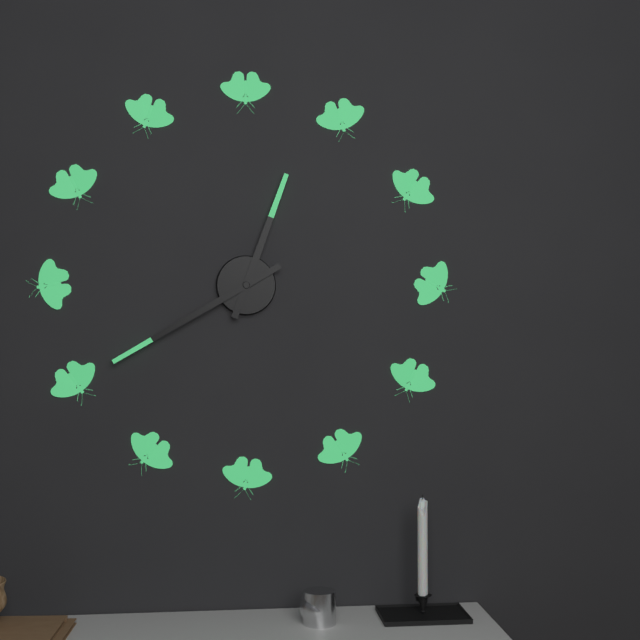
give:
12.40
